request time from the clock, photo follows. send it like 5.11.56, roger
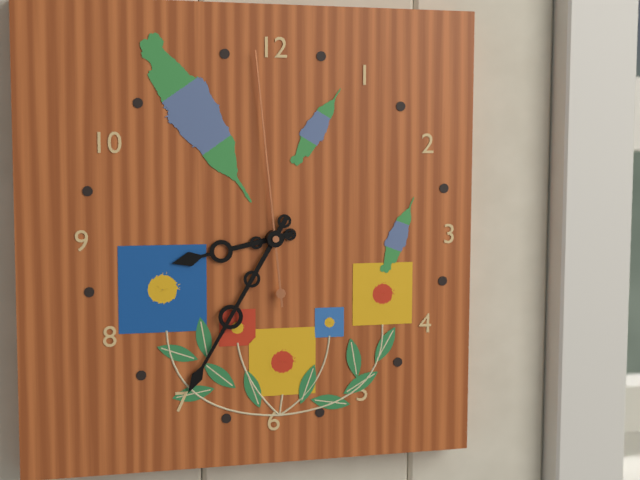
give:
8.35.59
